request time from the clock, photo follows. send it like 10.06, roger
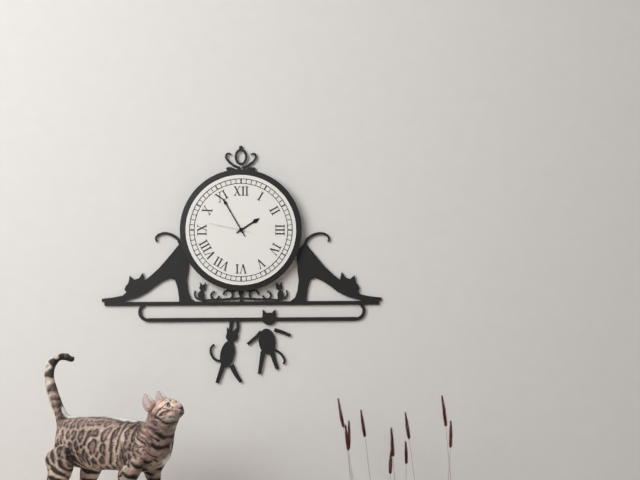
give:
1.55
